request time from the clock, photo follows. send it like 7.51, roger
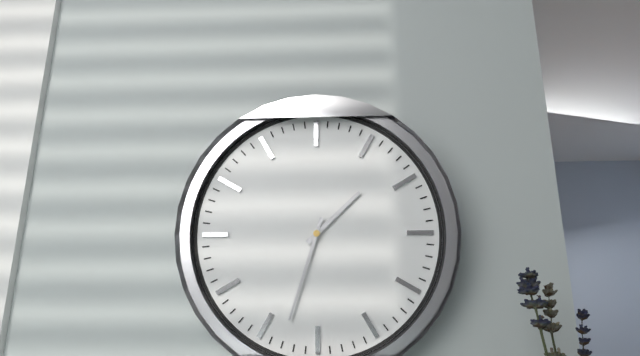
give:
1.33
